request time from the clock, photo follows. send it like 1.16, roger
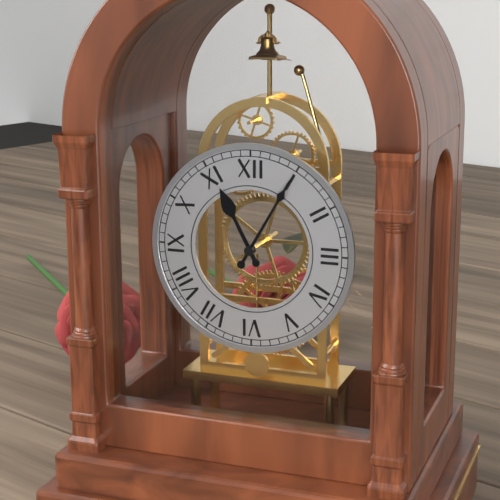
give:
11.05
